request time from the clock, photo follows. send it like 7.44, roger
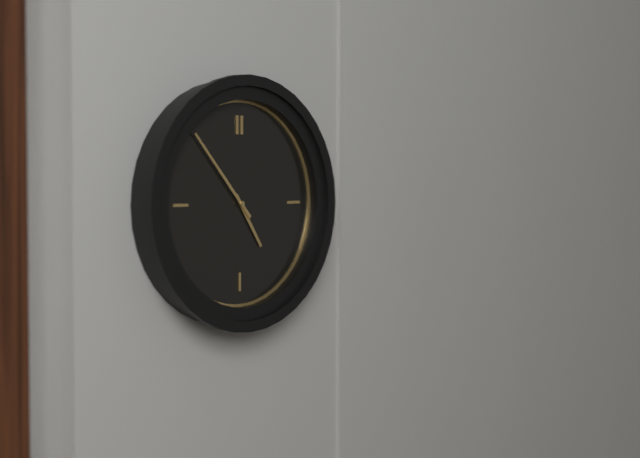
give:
4.53
